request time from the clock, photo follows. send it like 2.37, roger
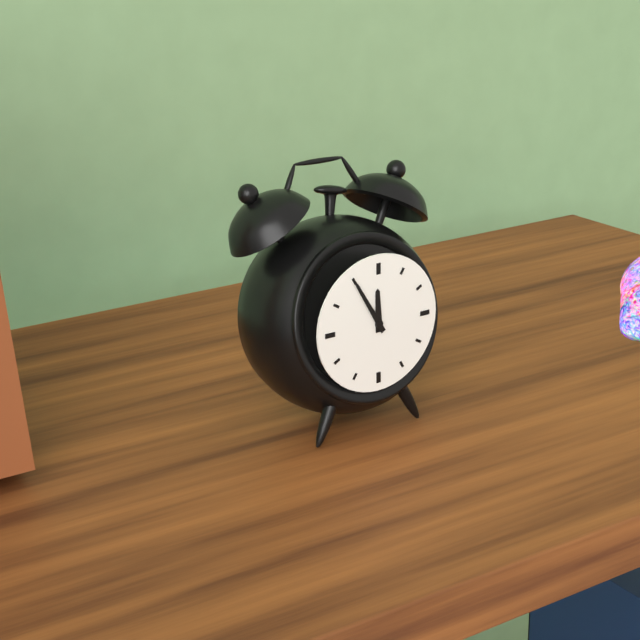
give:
11.55
